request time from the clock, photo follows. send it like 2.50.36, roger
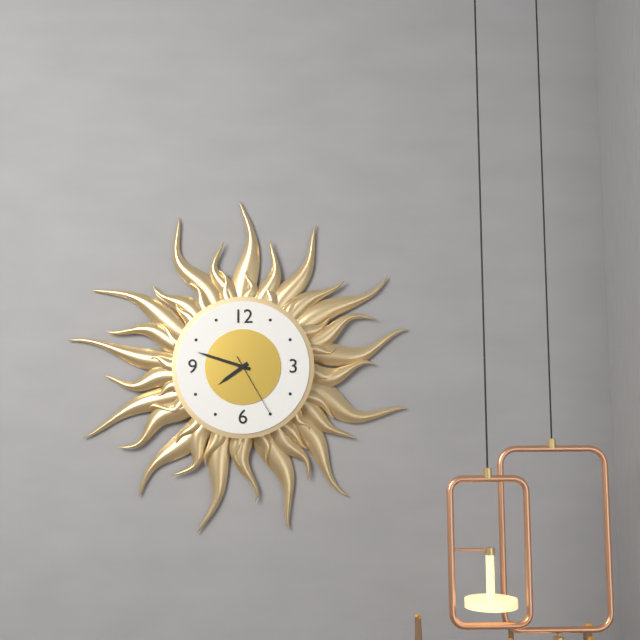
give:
7.48.25
